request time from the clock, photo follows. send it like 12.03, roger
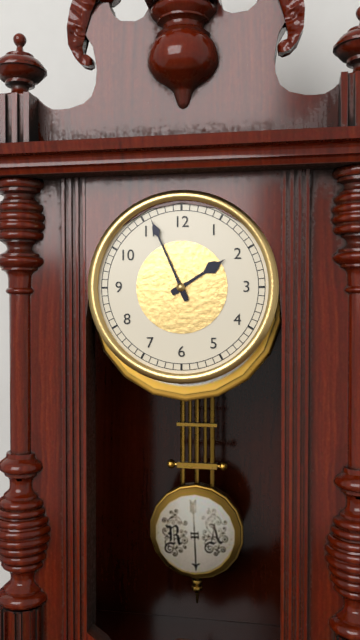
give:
1.56
